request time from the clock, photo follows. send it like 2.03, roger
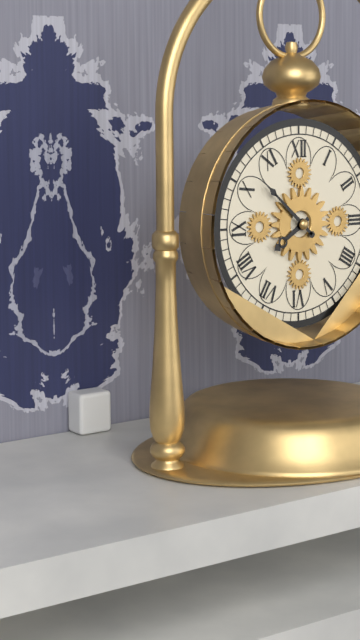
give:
7.52
